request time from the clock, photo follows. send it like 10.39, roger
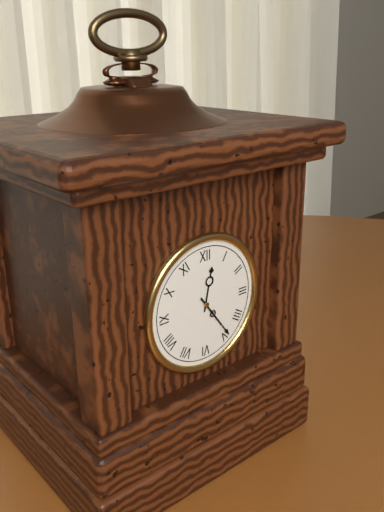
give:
12.24
